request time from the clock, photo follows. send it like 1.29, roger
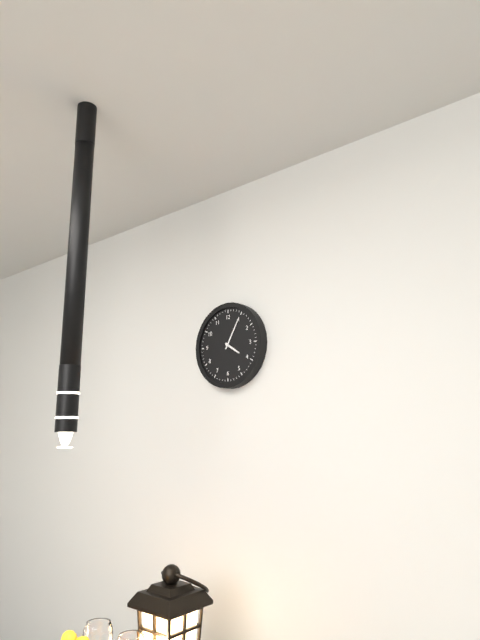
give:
4.05
